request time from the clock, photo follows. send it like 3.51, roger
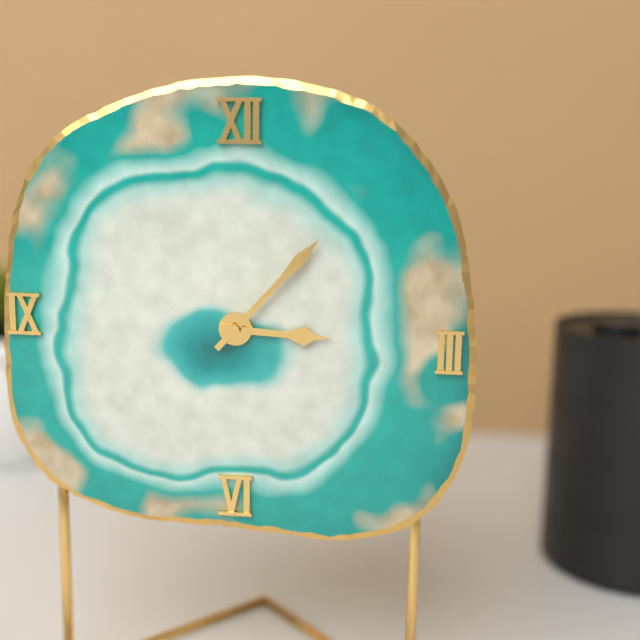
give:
3.07
